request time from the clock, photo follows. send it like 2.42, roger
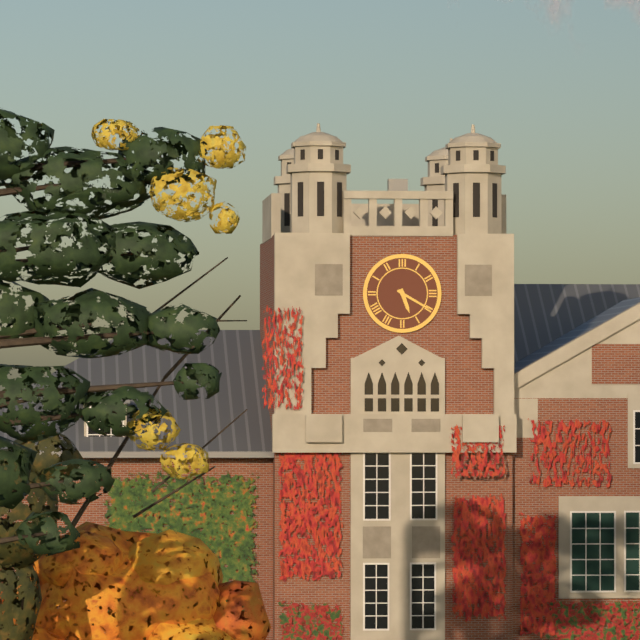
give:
5.20
